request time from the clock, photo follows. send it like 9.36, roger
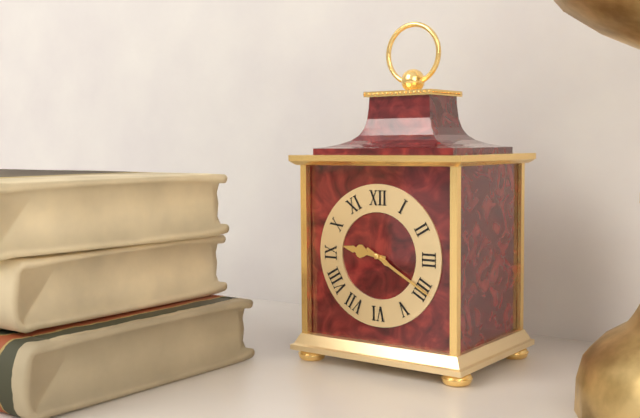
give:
9.20
